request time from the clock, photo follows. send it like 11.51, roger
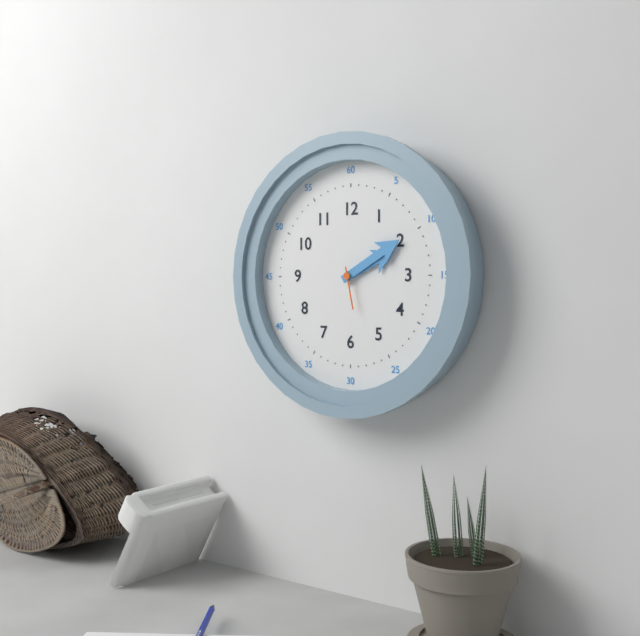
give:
2.10
